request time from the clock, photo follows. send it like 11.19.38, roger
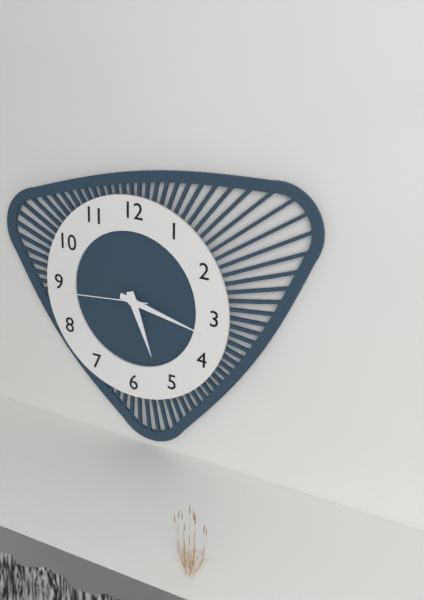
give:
5.17.44
